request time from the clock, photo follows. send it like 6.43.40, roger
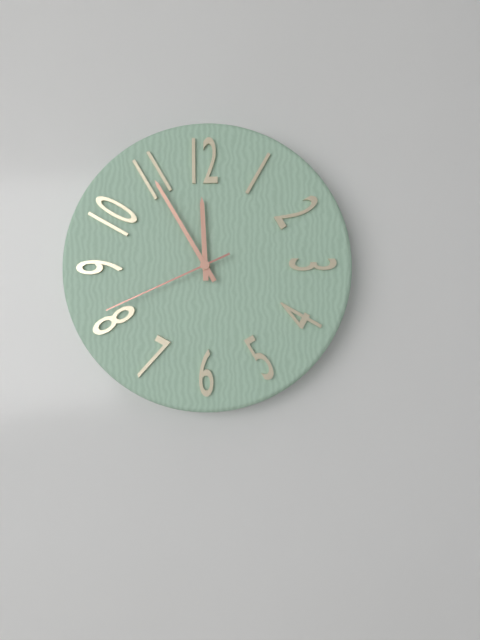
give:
11.55.41
